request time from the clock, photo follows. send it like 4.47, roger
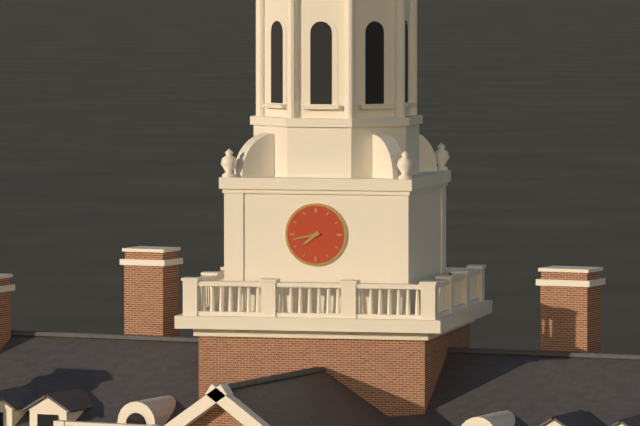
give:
7.43
